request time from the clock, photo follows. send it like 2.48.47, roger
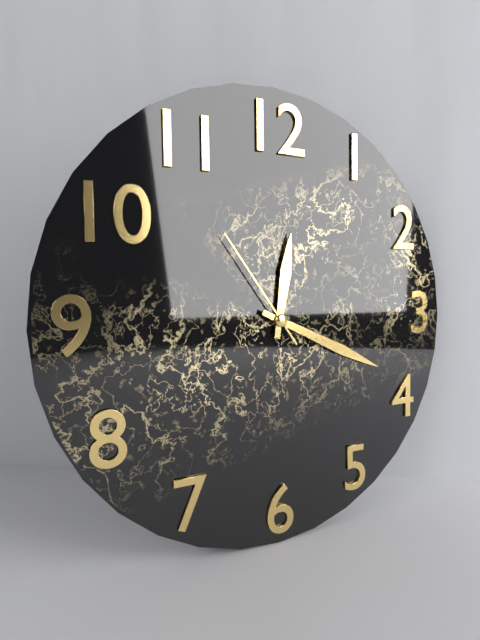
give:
12.19.54
